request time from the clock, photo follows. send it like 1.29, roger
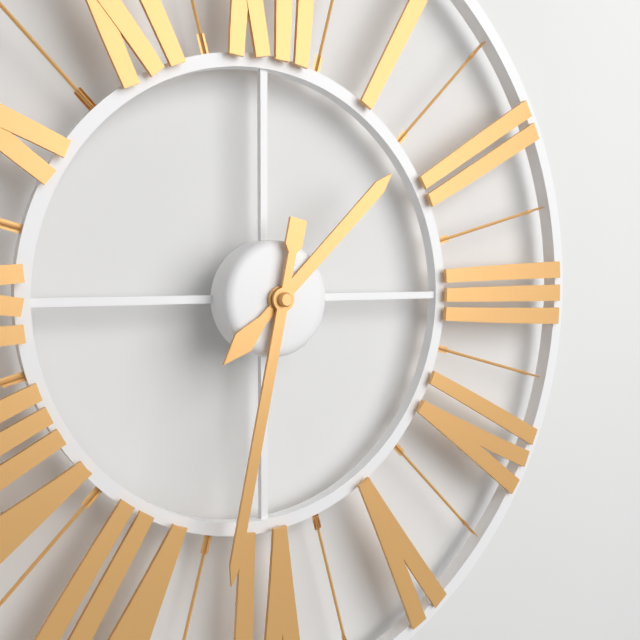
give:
1.32
